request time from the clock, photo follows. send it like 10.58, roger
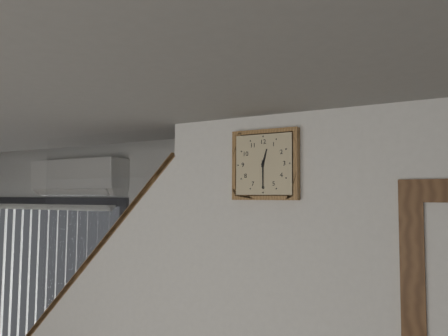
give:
12.30
